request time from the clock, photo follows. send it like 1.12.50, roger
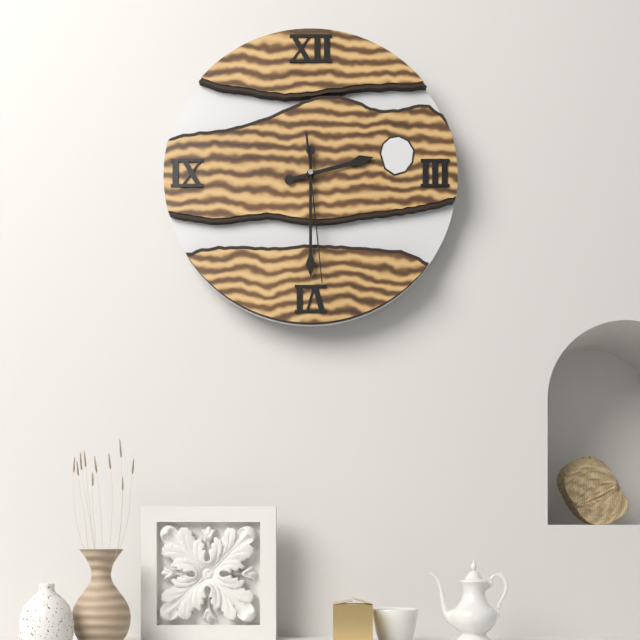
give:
2.30.29
